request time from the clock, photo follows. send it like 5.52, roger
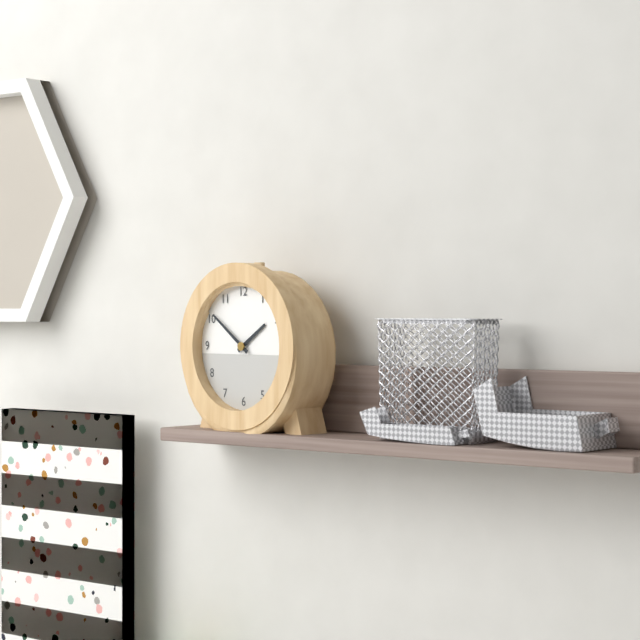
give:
1.51
